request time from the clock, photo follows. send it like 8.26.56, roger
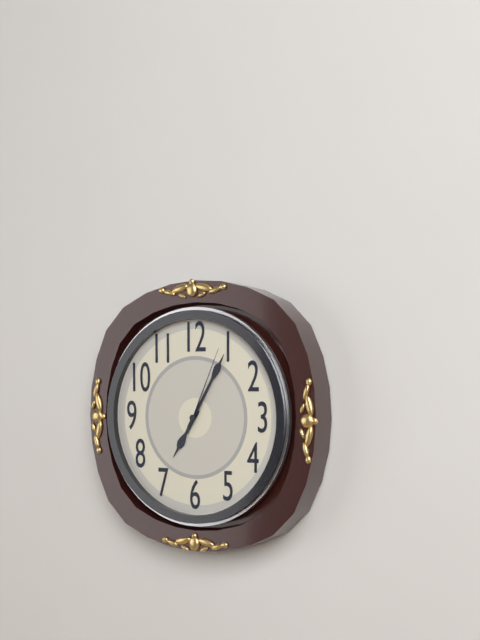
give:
7.05.04
